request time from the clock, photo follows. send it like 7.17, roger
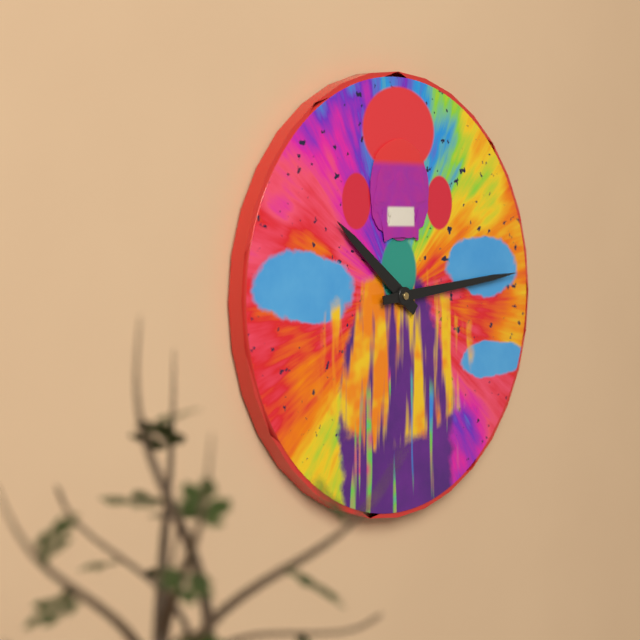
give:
10.14
